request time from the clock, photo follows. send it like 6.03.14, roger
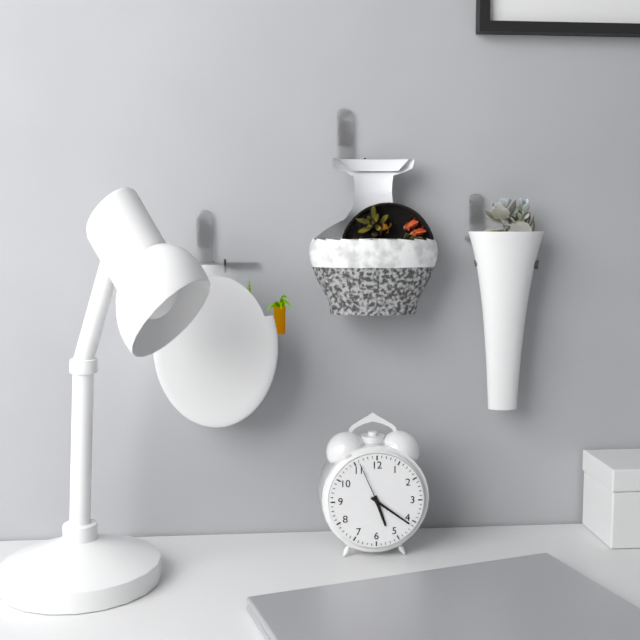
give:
5.21.56
